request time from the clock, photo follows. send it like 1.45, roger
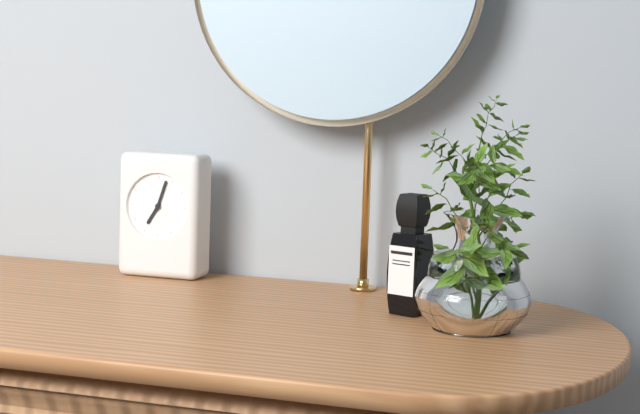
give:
7.03
